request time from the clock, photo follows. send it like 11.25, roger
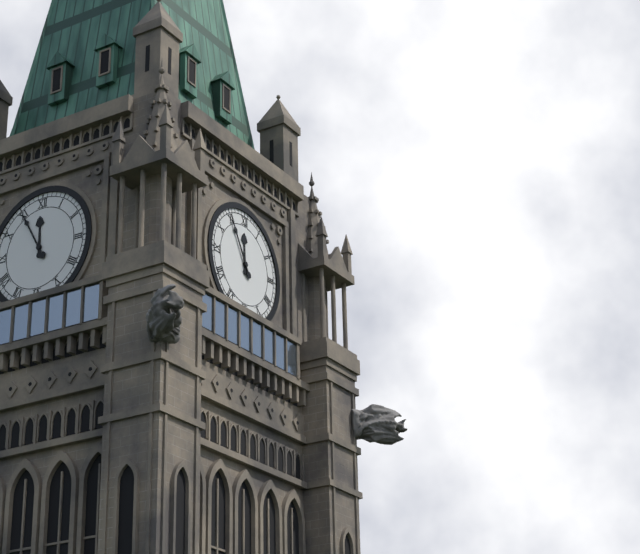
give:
11.55
